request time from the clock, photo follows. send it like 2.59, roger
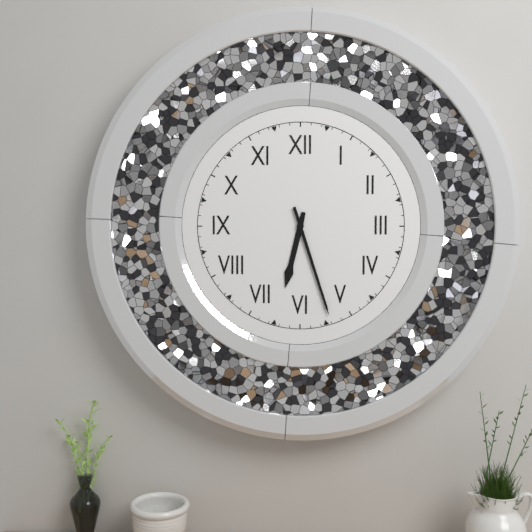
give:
6.27
